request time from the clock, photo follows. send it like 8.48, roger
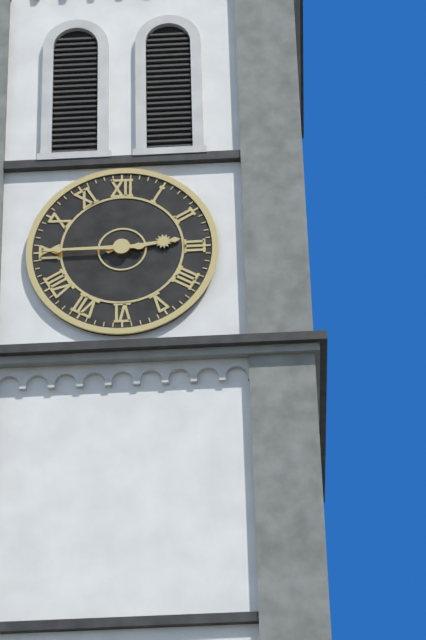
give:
2.45
